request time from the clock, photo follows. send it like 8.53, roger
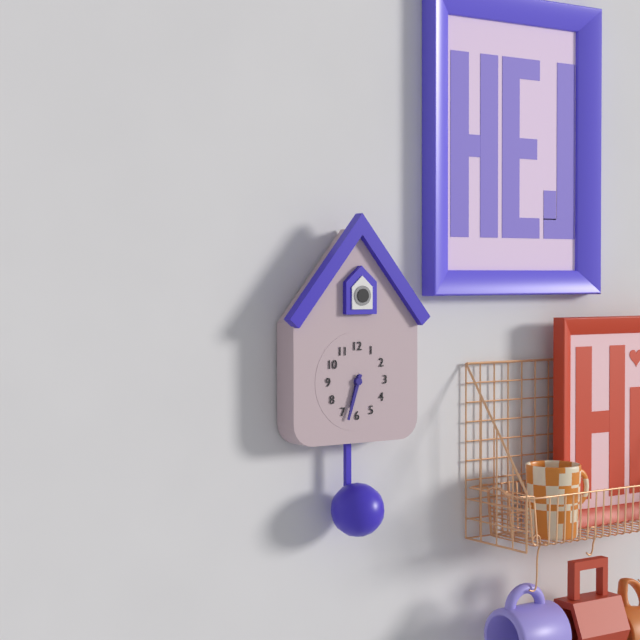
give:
6.33
